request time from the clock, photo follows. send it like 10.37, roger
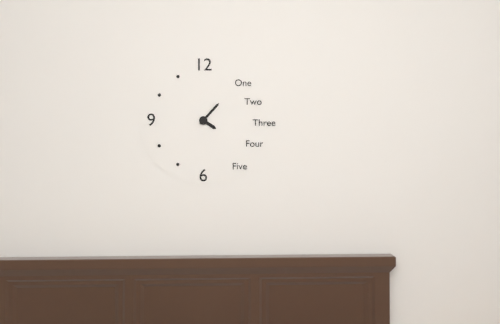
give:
4.07
